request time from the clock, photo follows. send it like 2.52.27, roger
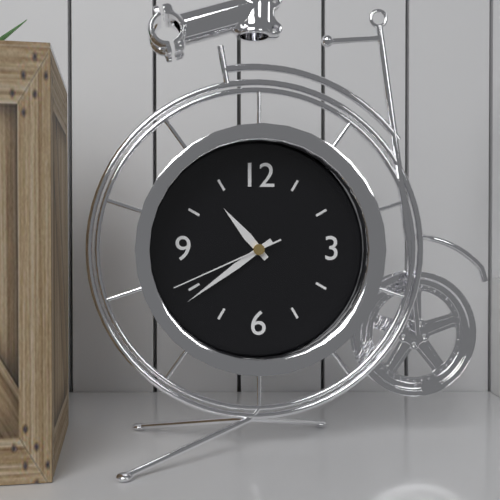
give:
10.39.41
